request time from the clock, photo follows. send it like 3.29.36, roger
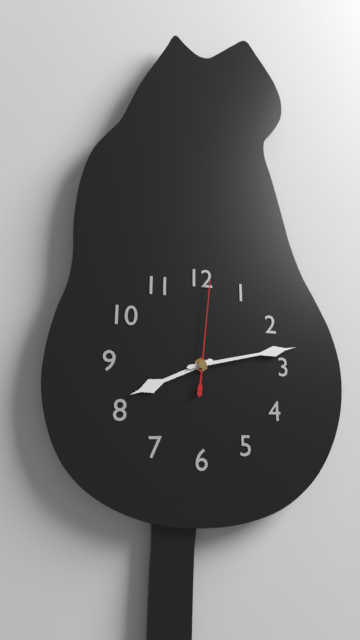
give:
8.13.01
